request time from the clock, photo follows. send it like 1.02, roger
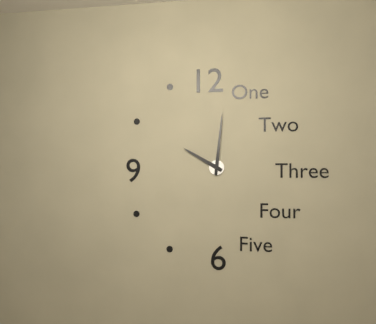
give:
10.01
